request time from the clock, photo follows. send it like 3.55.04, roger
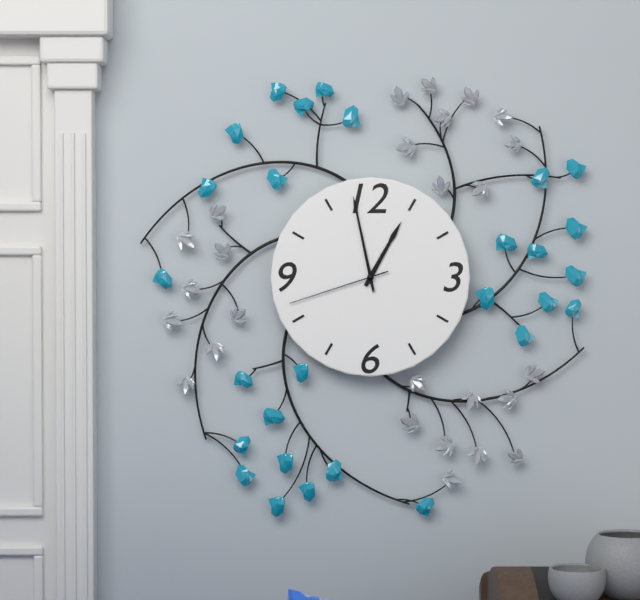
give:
12.58.42
